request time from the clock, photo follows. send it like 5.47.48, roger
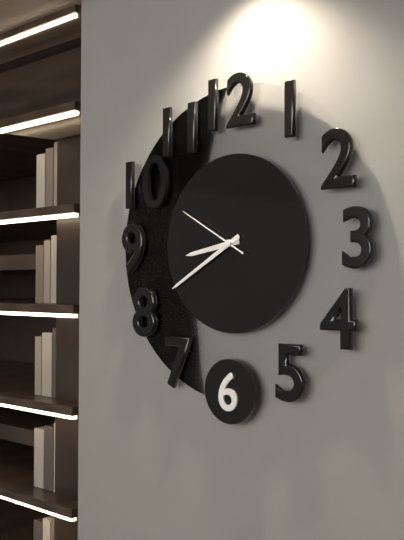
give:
8.40.50
